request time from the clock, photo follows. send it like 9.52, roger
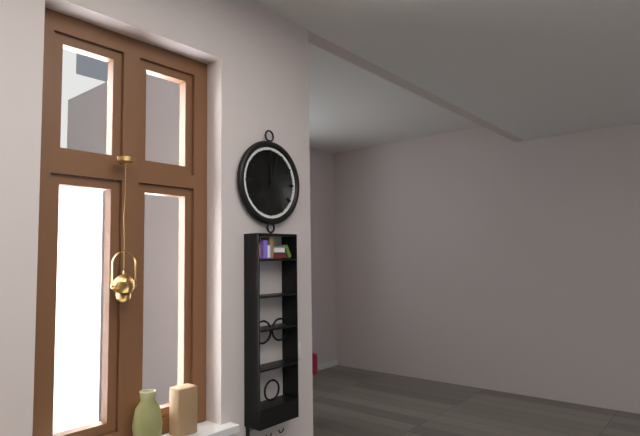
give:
12.03
